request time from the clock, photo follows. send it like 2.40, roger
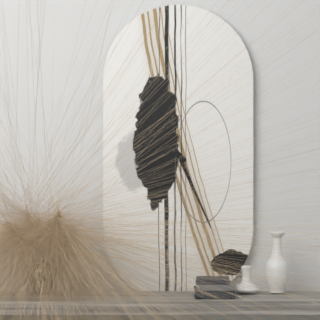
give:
10.26
